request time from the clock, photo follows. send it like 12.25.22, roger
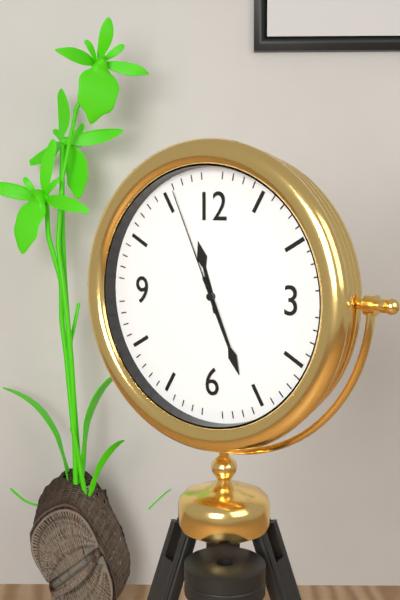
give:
11.26.56
